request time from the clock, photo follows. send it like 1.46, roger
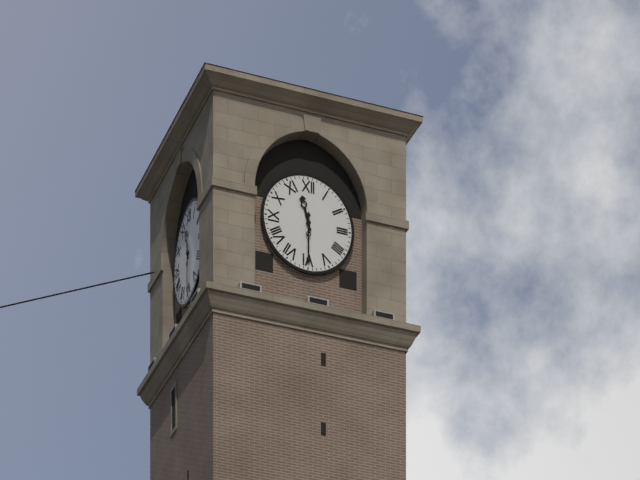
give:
11.30
